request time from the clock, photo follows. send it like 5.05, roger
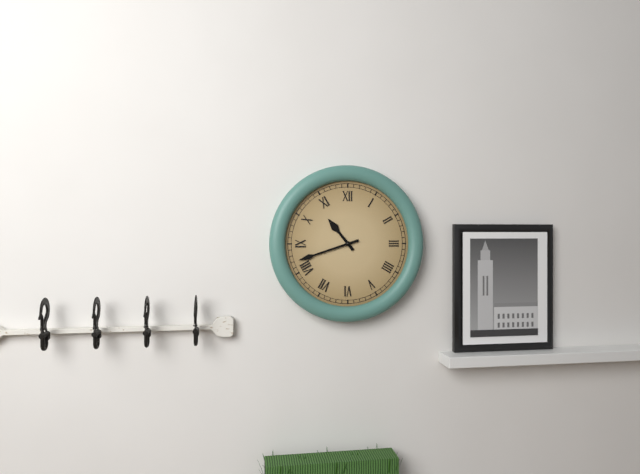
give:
10.42
